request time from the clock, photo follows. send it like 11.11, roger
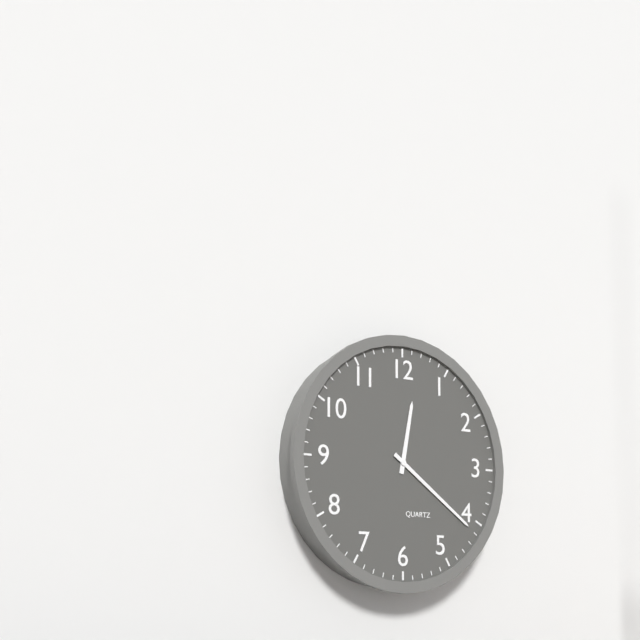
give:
12.21
